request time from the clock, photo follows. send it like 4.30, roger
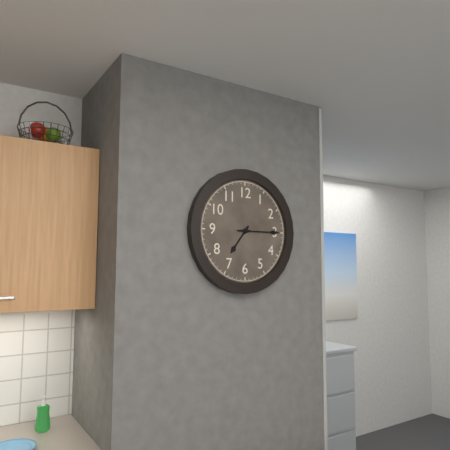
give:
7.15
